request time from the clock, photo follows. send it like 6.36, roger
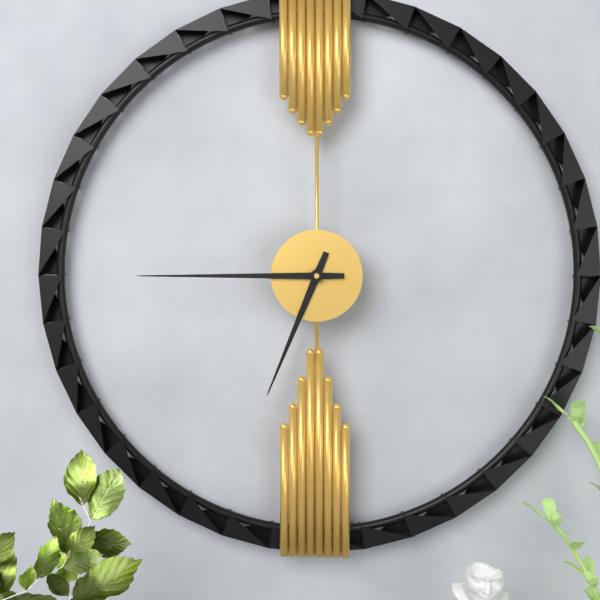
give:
6.45
